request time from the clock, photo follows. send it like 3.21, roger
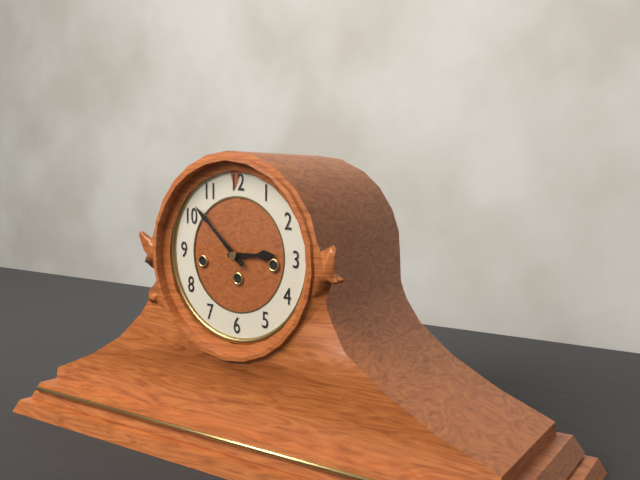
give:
2.52
